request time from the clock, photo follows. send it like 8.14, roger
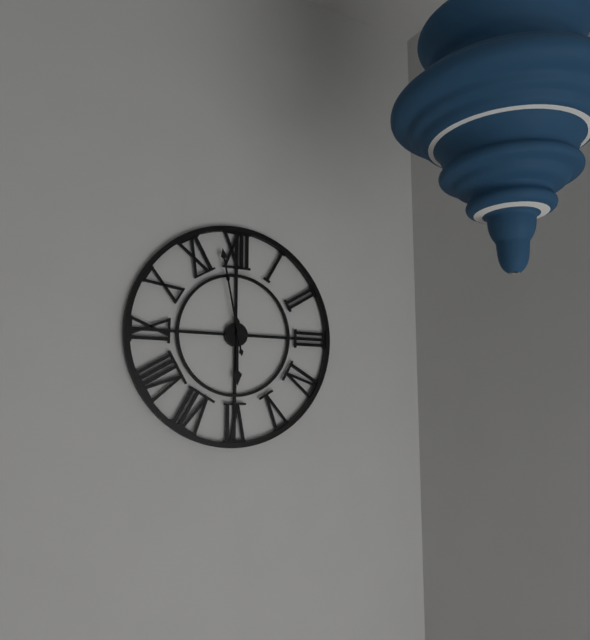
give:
5.58
